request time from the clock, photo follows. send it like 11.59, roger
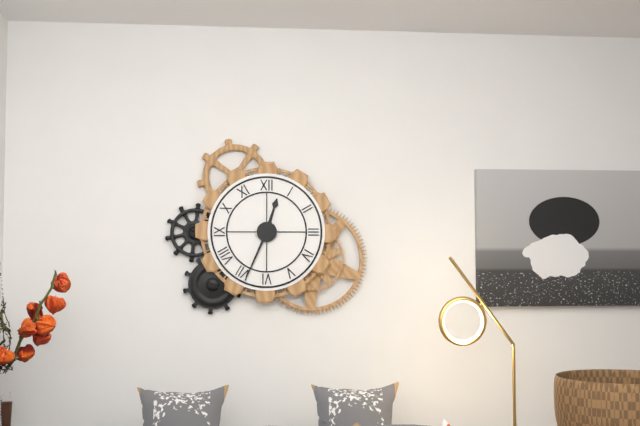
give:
12.34
